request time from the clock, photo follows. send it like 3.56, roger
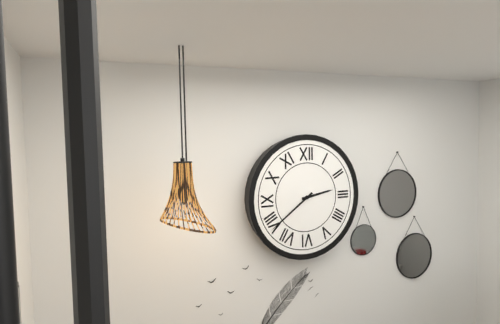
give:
2.39
